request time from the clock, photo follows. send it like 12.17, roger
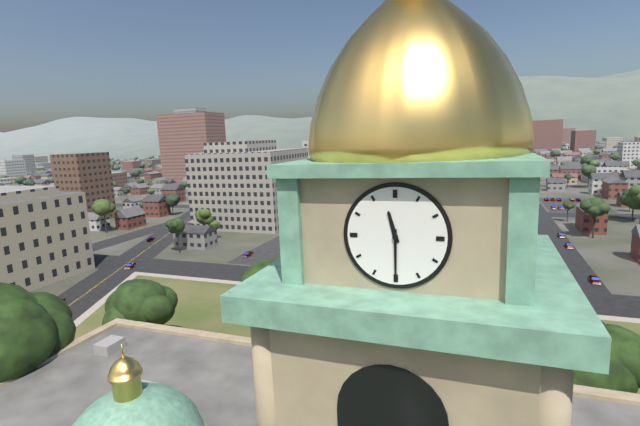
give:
11.30
